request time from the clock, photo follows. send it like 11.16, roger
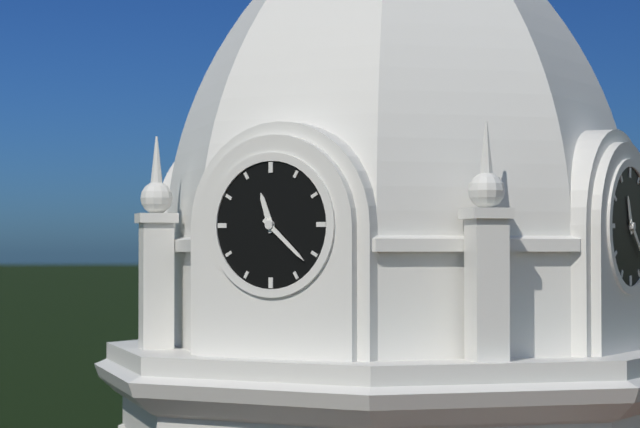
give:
11.22
